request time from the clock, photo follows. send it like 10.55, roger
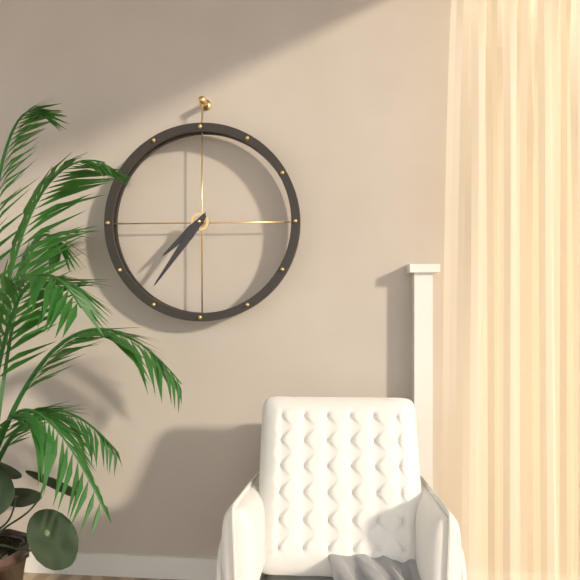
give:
7.36
